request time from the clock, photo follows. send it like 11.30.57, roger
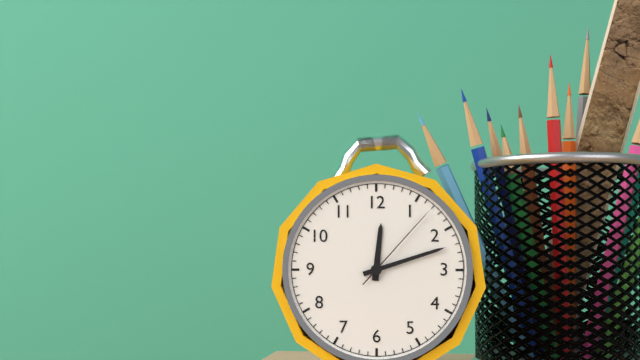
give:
12.12.07
